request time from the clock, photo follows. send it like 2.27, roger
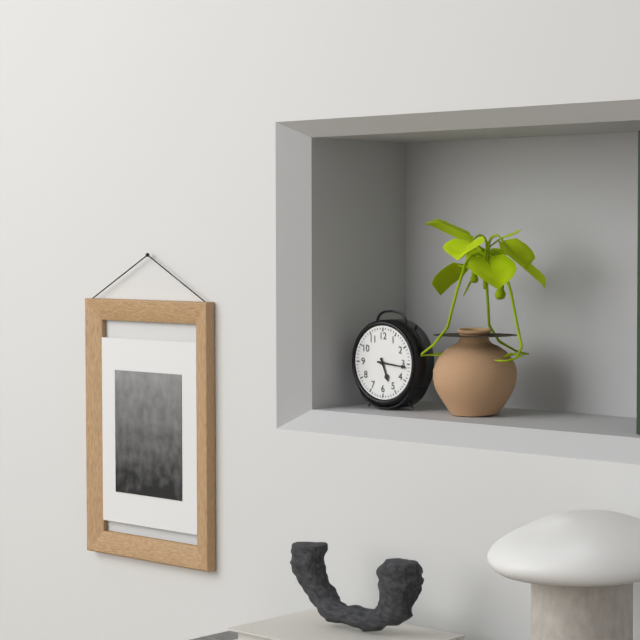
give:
5.16
